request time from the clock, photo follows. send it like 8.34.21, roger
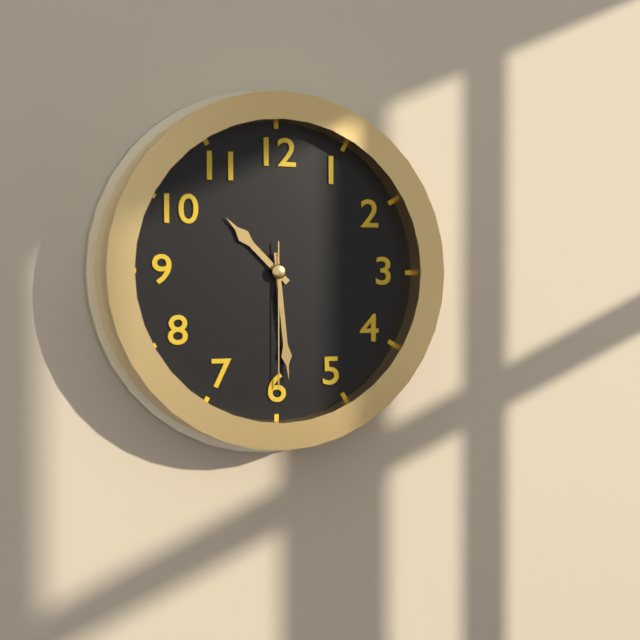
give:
10.29.30
